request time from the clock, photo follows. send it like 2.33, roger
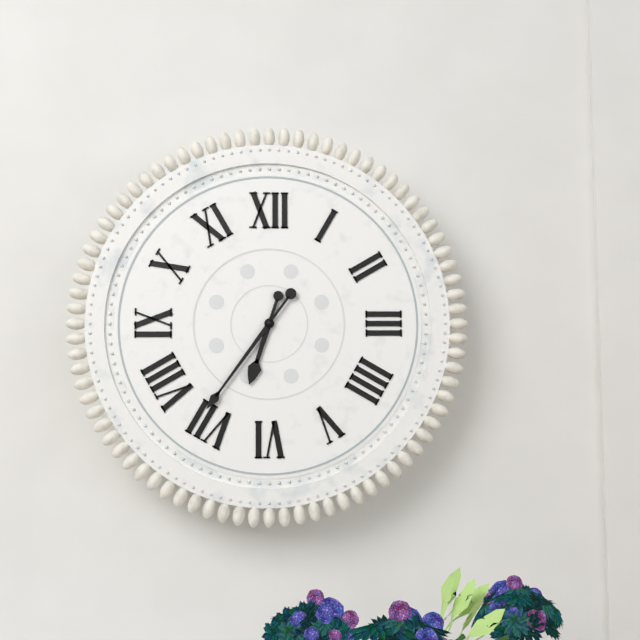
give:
6.36
